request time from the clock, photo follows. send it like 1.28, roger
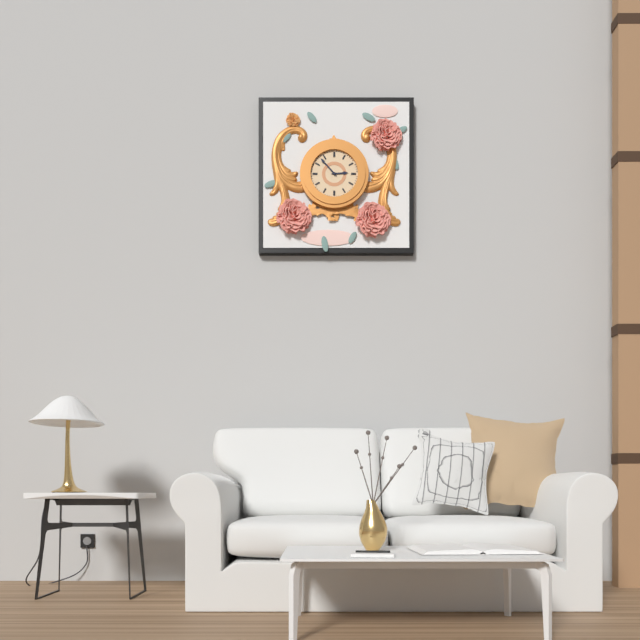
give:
2.53
